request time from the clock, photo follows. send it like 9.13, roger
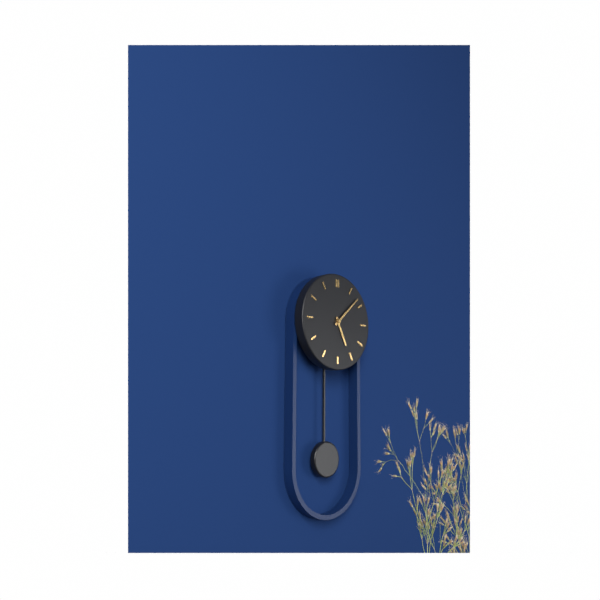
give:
5.08
